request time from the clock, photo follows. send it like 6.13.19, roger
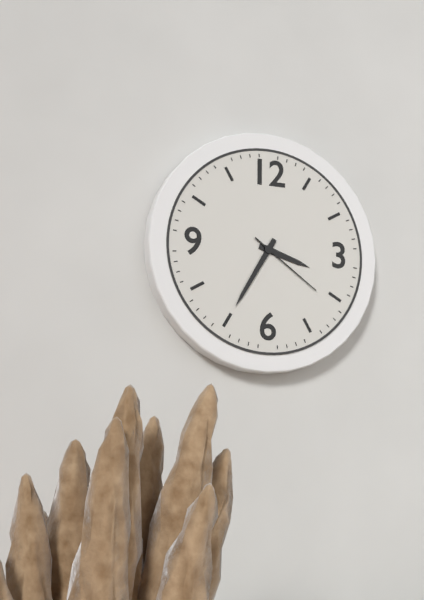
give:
3.35.21
